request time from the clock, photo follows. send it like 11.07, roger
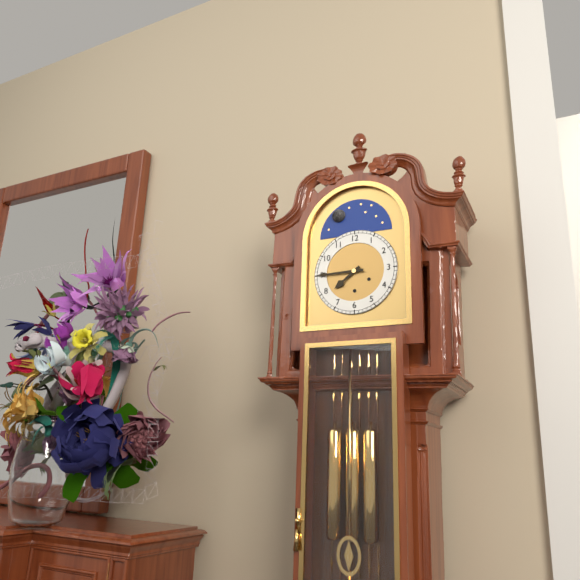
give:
7.45
